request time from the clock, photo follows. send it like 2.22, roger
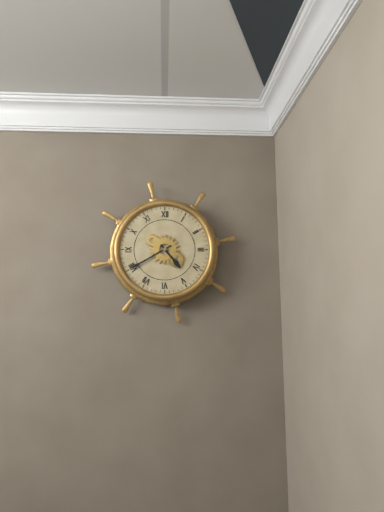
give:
4.40
